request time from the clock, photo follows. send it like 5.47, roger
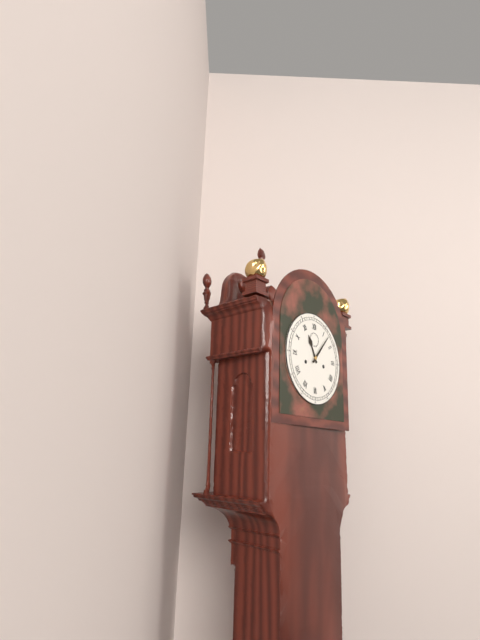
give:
11.07
